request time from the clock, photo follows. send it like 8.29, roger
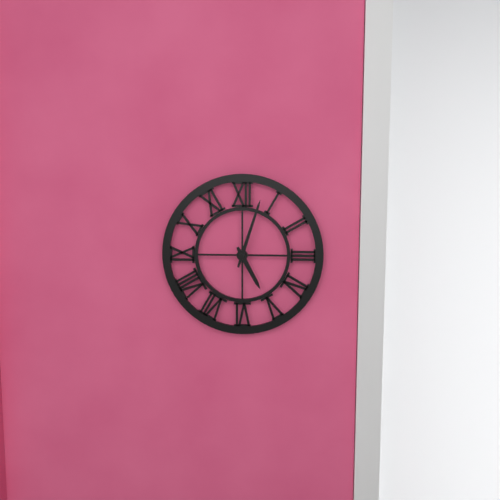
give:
5.03
